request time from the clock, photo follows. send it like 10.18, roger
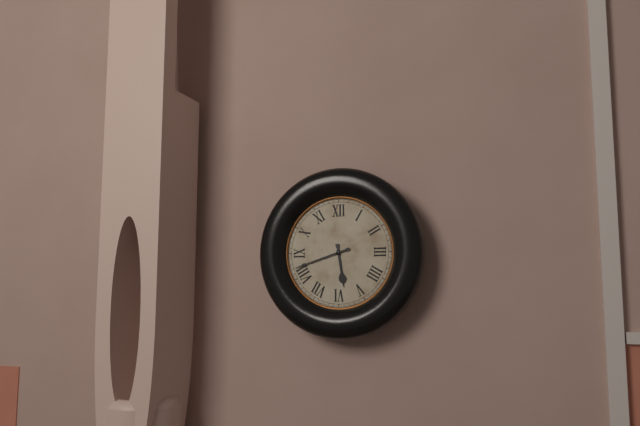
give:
5.42
